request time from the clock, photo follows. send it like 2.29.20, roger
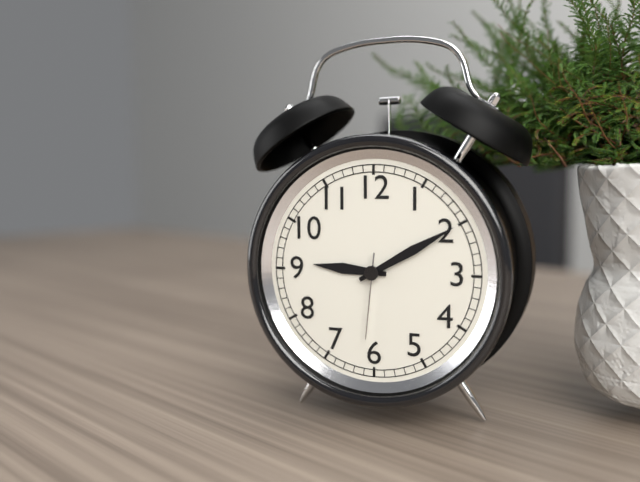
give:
9.10.31
